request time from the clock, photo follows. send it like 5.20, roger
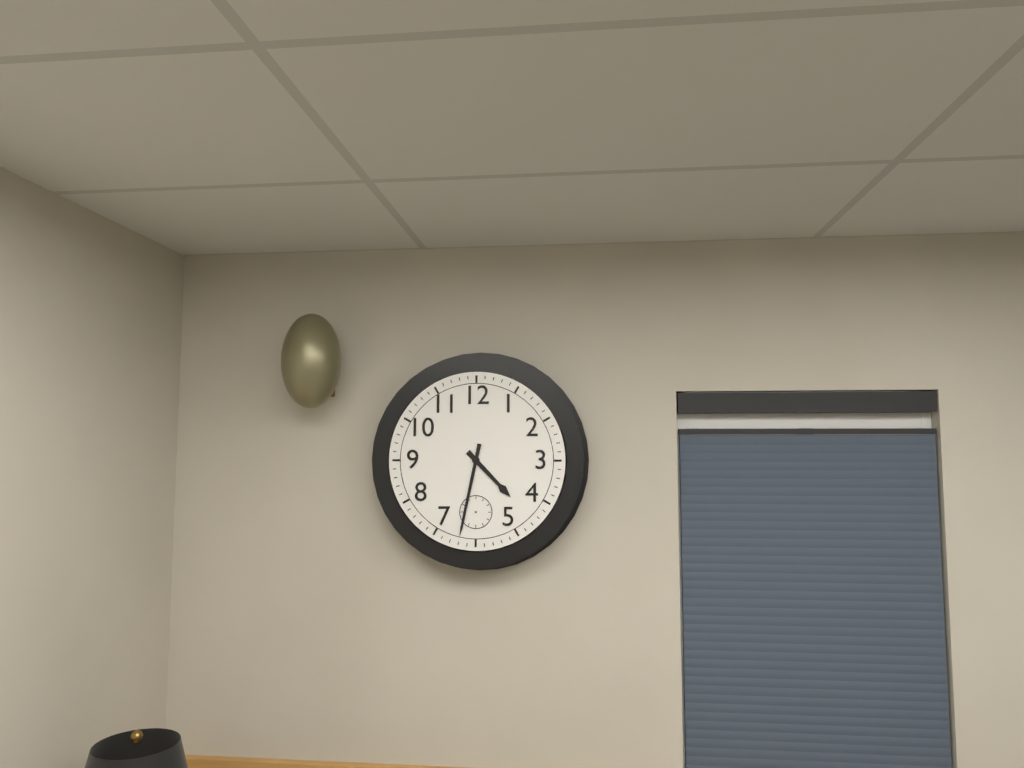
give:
4.32
